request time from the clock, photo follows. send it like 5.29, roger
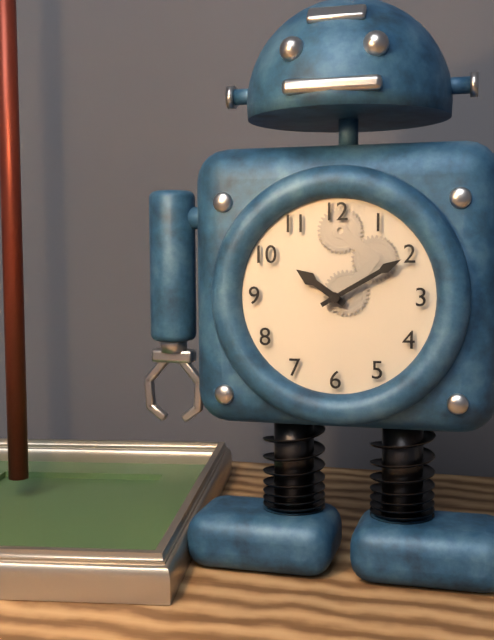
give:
10.10
